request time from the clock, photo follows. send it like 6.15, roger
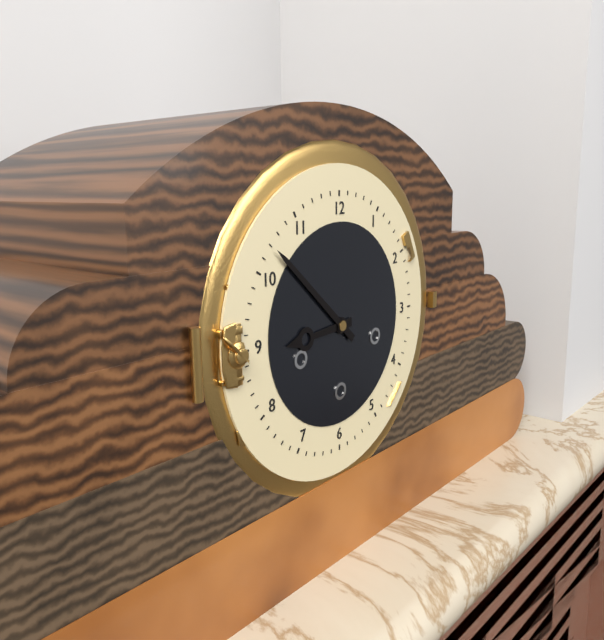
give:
8.52
